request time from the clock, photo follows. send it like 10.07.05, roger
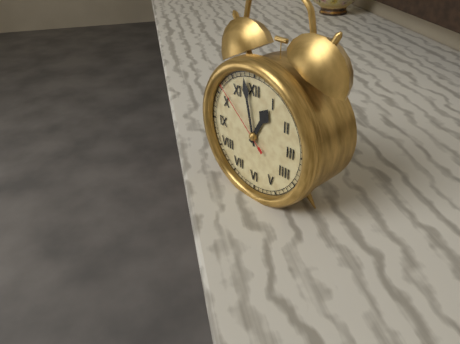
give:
12.58.52
